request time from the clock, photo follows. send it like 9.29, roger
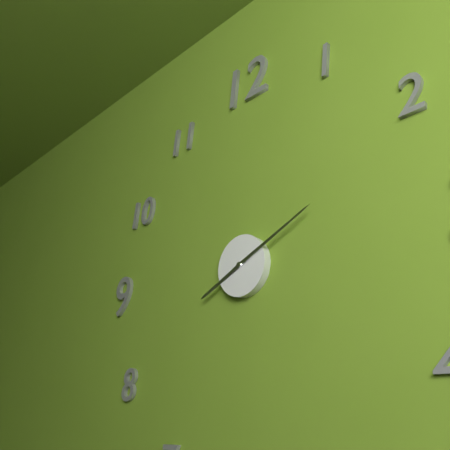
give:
8.11
